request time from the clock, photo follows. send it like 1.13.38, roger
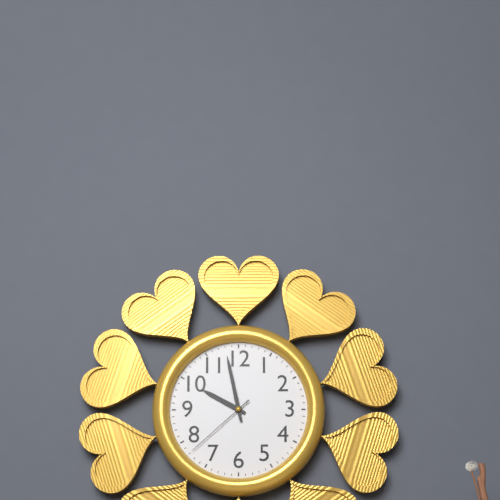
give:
9.58.38
